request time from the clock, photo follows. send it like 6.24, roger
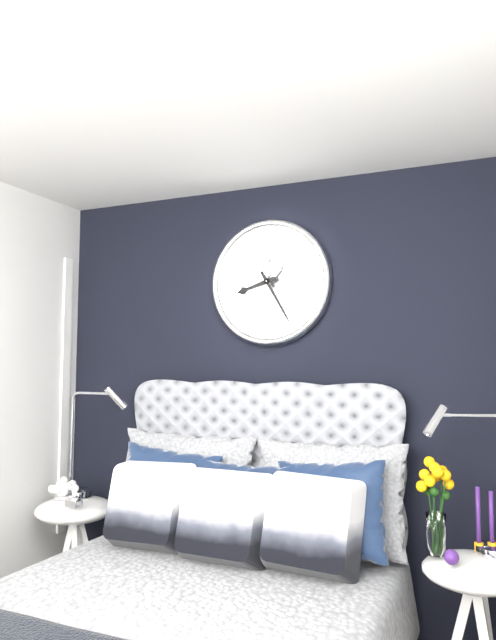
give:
8.25
